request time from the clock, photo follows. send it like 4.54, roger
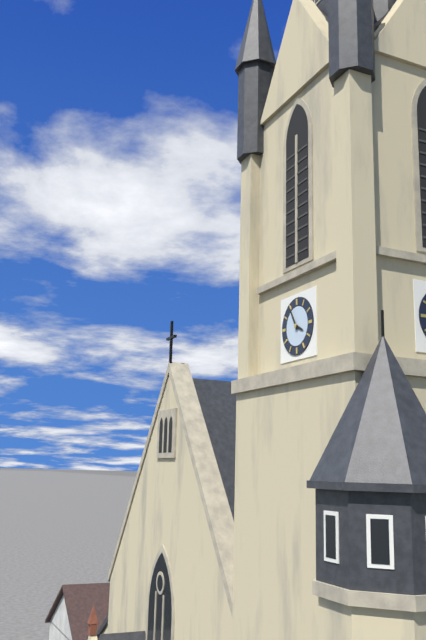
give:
3.55
